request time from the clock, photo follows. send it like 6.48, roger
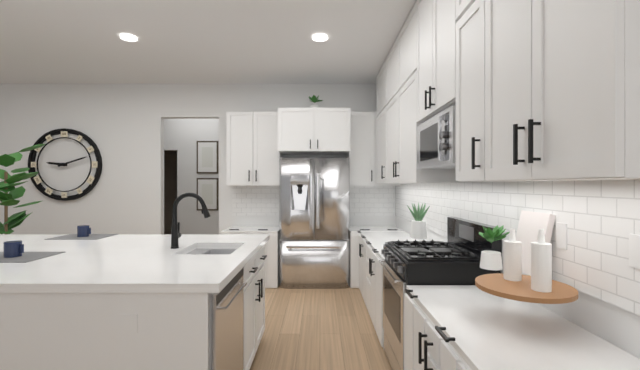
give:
9.12
